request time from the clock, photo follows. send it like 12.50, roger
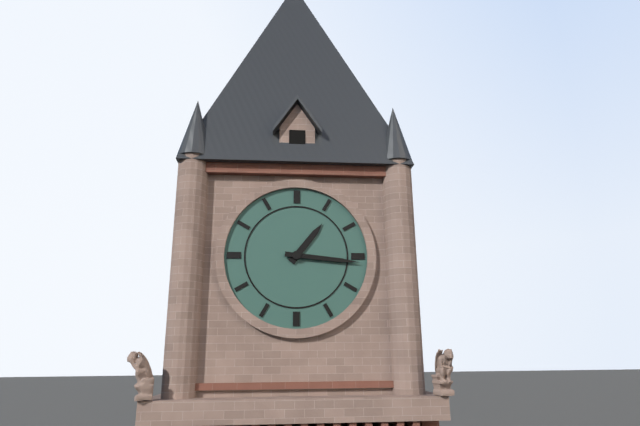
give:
1.16
